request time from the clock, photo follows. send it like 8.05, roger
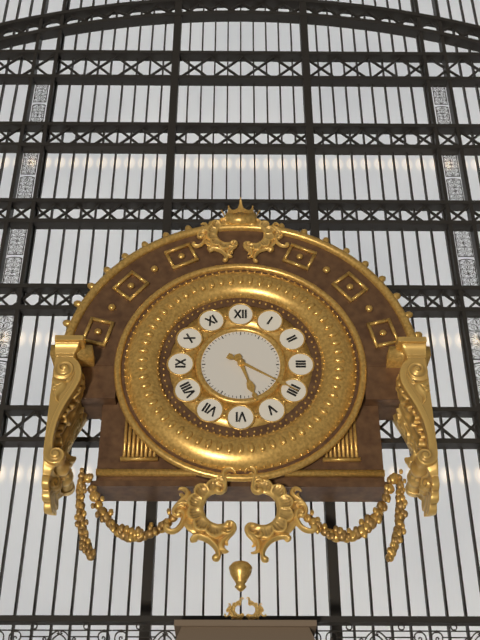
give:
5.20
